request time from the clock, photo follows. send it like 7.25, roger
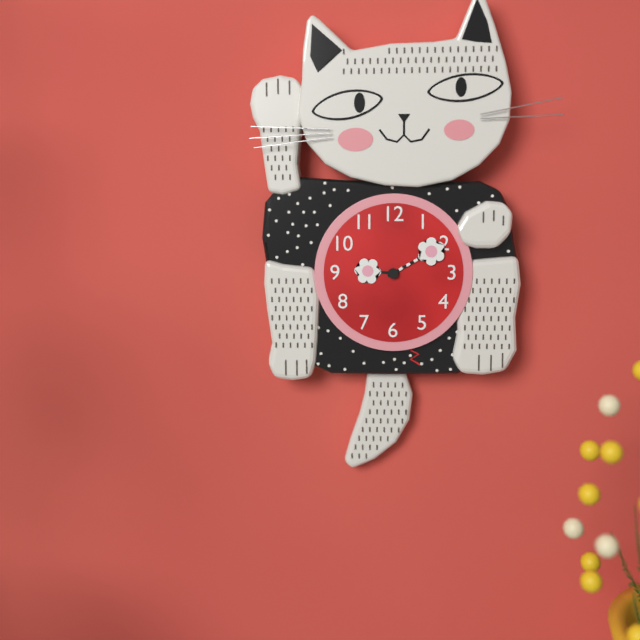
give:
9.10
